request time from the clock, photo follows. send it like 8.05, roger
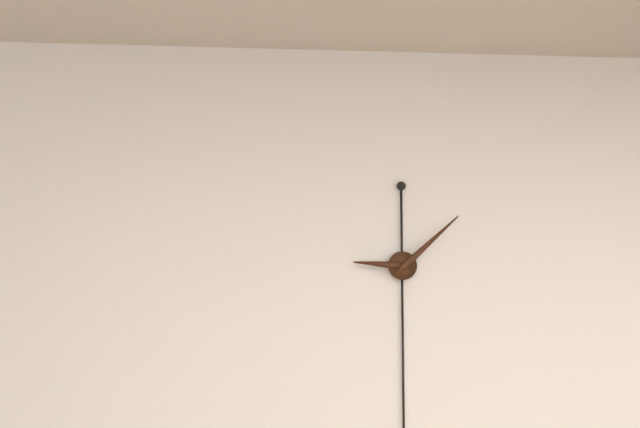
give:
9.08
